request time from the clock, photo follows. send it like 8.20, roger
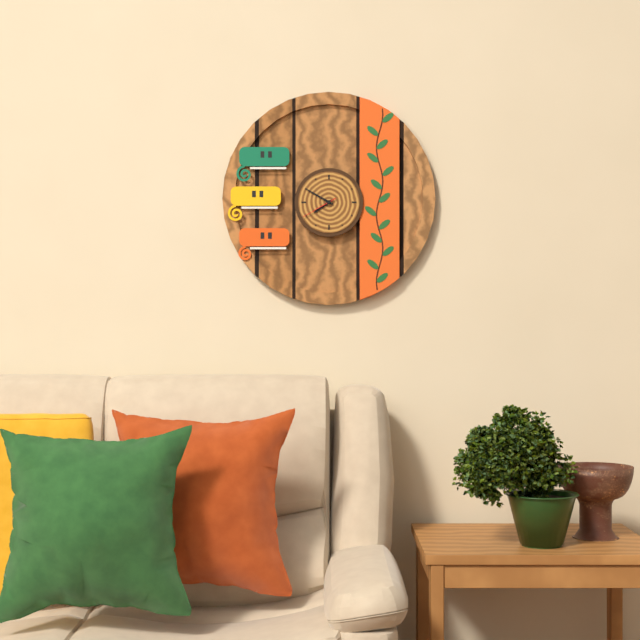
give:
7.50
